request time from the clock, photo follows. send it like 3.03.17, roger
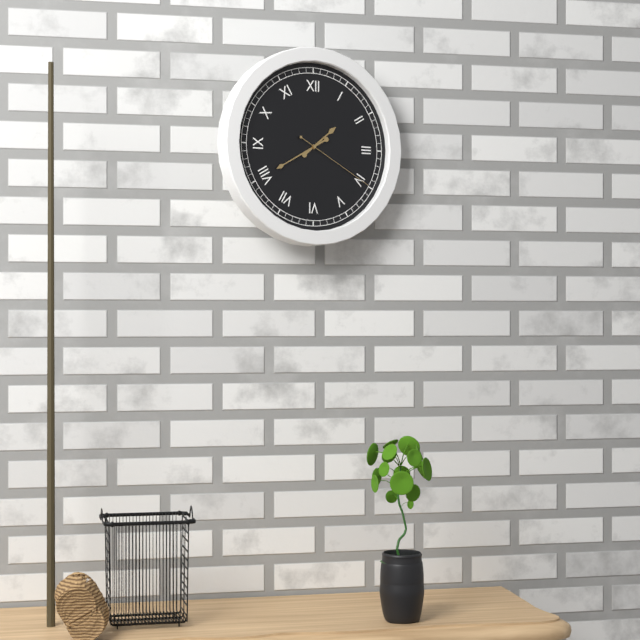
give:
1.40.20
